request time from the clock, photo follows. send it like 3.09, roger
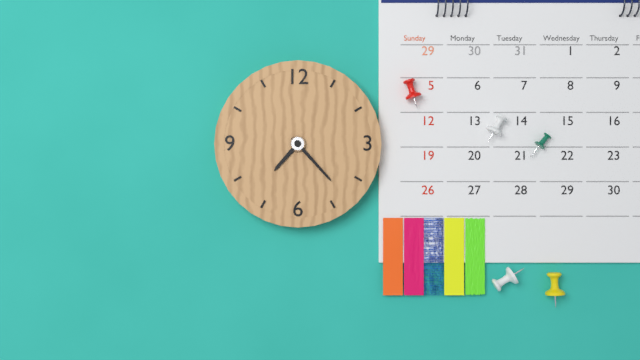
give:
7.23
